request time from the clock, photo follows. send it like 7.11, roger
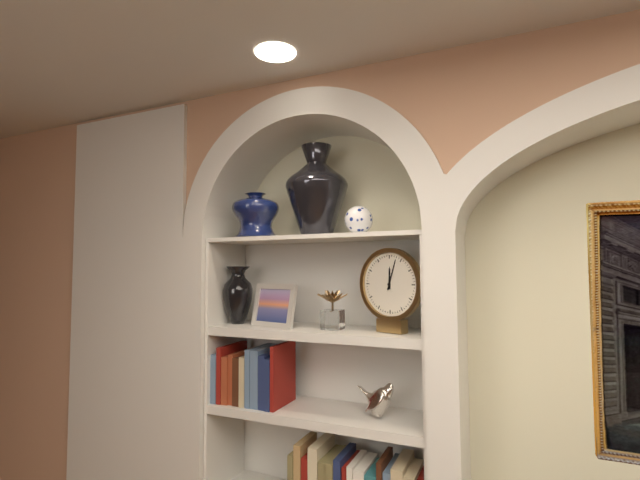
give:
12.03
